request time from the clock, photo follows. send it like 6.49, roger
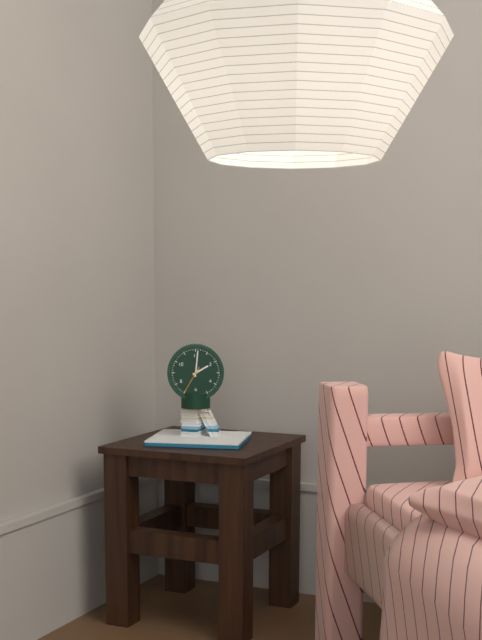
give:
2.01
